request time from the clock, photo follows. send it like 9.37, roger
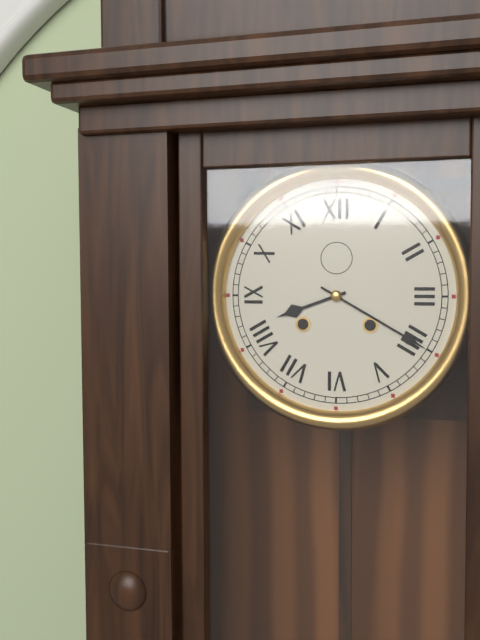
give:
8.20
